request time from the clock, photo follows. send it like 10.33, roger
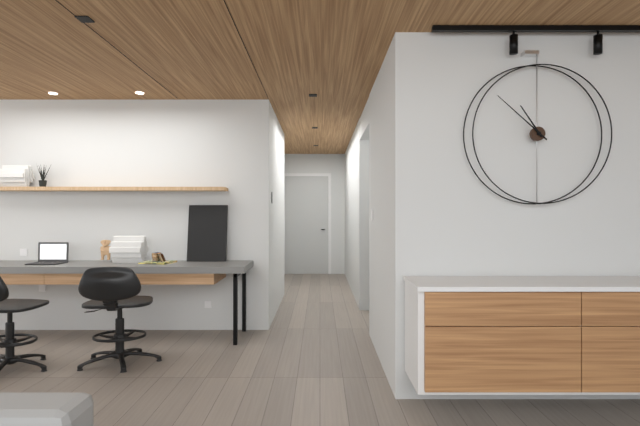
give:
10.52
